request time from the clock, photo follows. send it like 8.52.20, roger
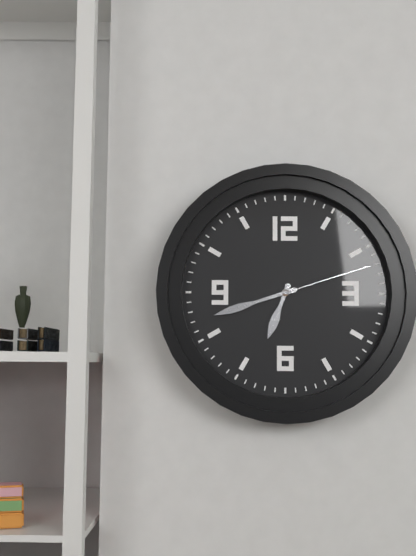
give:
6.42.12
